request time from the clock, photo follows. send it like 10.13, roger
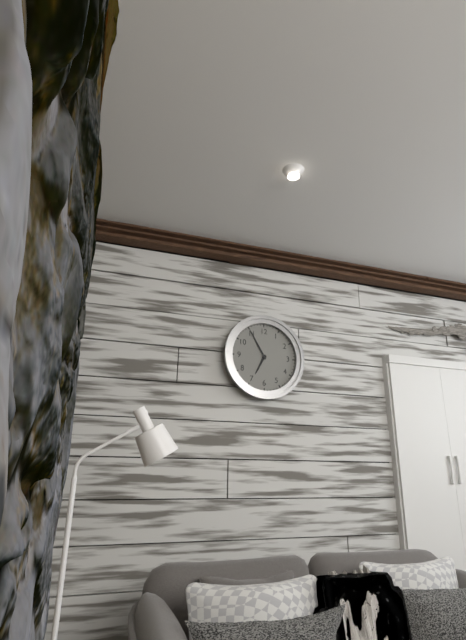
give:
6.55
